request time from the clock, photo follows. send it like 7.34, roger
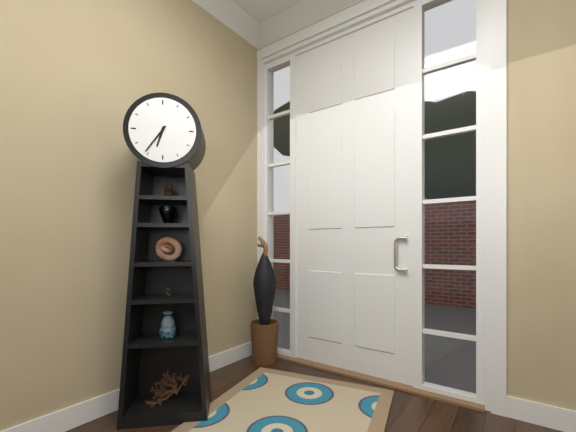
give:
6.36
